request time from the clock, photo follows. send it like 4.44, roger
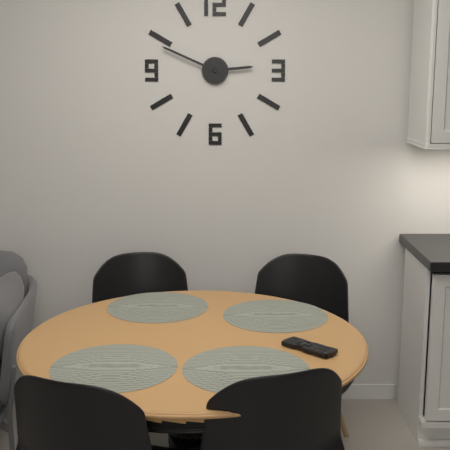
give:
2.49
